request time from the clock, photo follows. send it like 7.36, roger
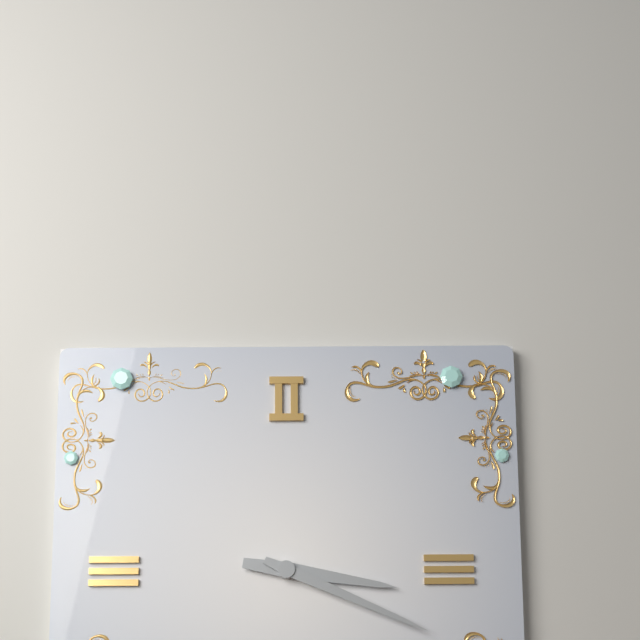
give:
3.19
